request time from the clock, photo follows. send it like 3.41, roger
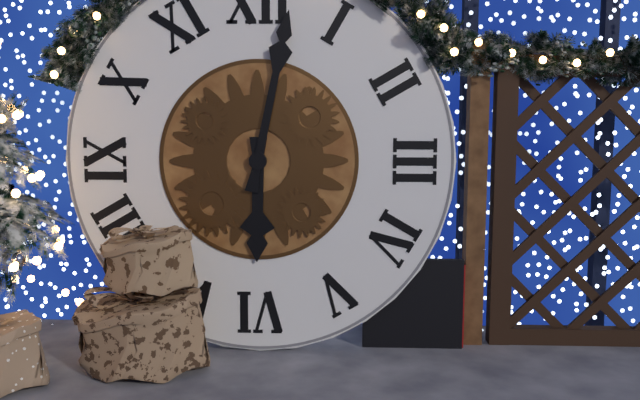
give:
6.02
